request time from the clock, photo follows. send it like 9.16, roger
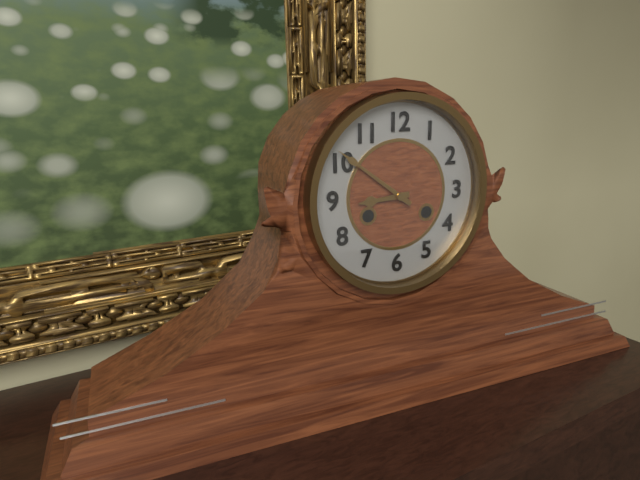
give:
8.51
